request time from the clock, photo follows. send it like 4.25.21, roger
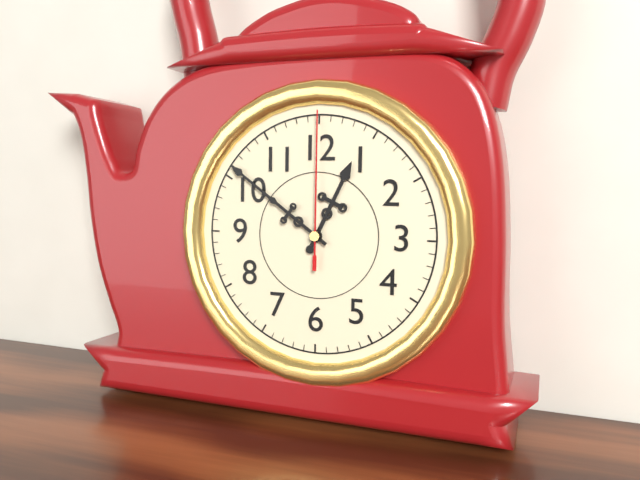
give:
12.51.00
